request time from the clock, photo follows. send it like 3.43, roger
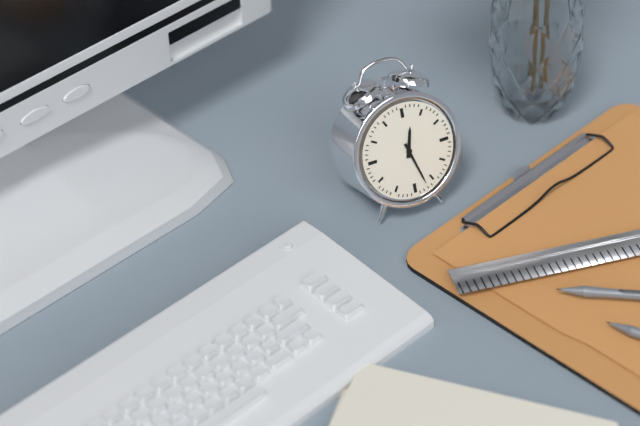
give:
12.27
